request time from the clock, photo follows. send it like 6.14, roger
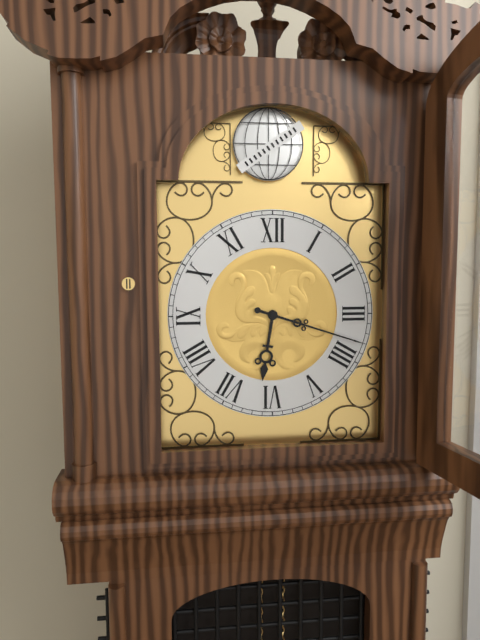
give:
6.18
